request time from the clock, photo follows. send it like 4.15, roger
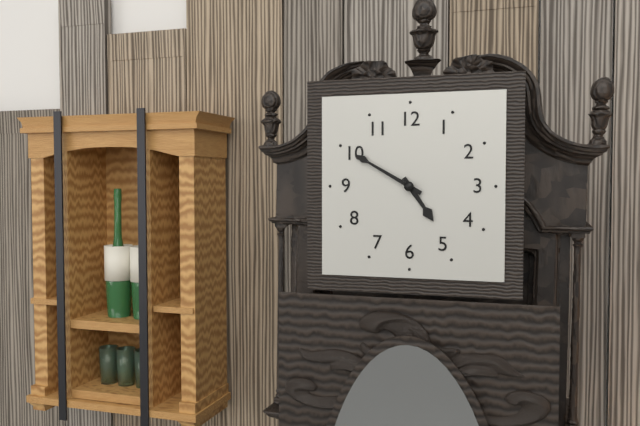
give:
4.50
